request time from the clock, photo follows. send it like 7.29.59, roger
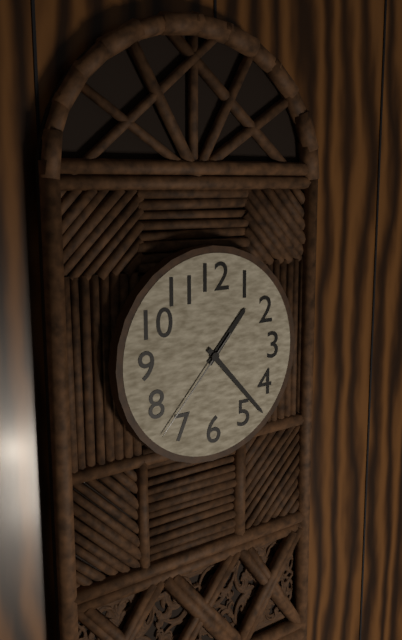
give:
1.23.37
